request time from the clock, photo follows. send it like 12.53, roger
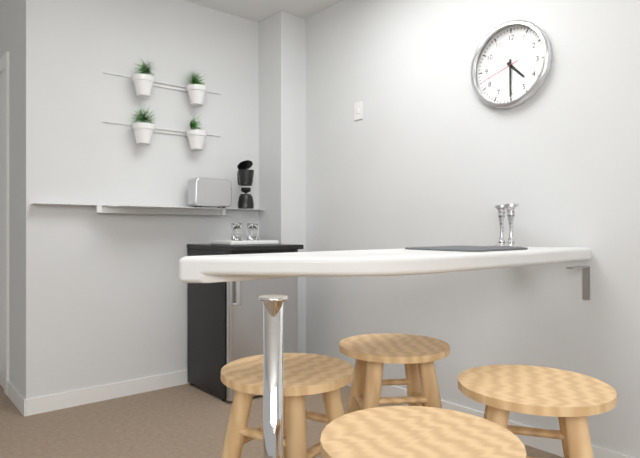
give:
4.30
